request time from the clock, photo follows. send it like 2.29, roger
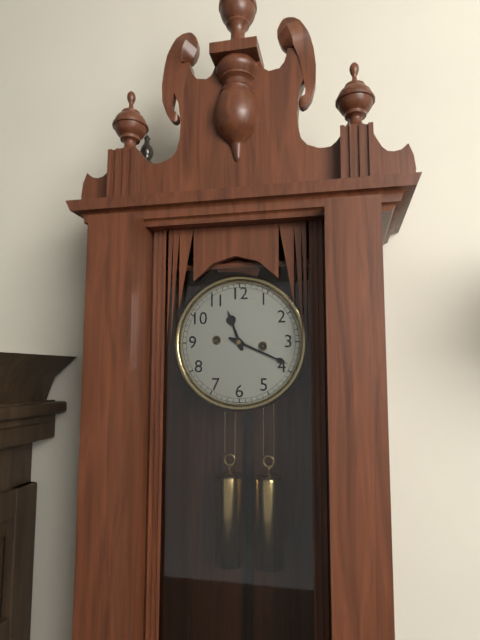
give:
11.19
